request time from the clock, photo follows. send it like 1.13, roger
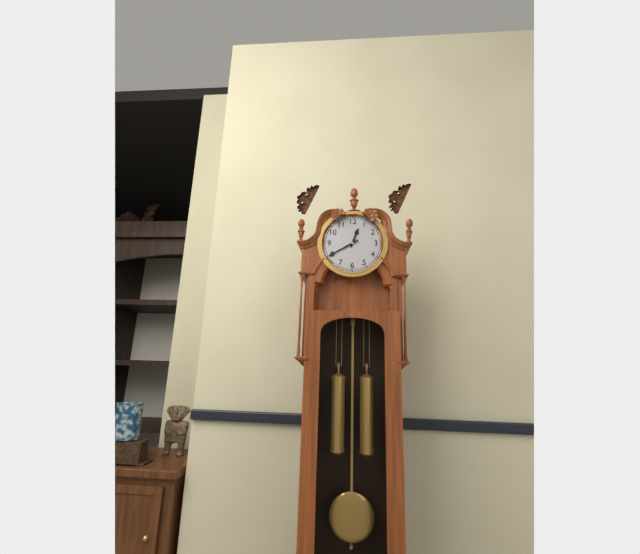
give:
12.40
